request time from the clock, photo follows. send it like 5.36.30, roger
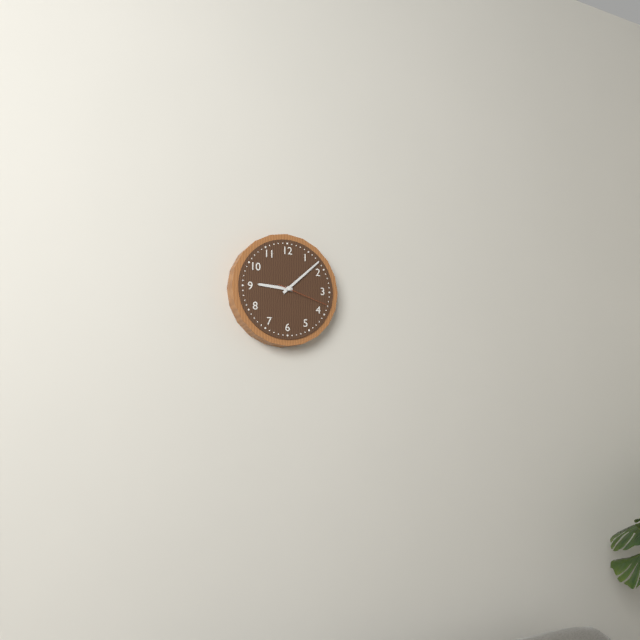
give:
9.08.18
